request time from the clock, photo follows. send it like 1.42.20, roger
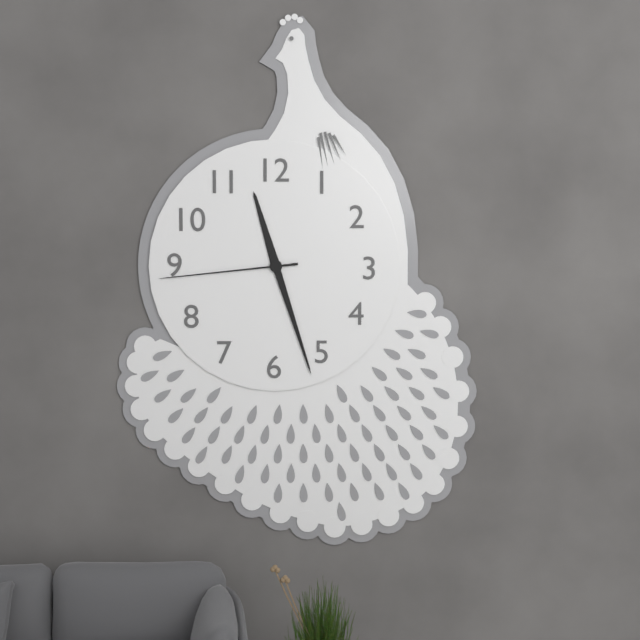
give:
11.27.44
